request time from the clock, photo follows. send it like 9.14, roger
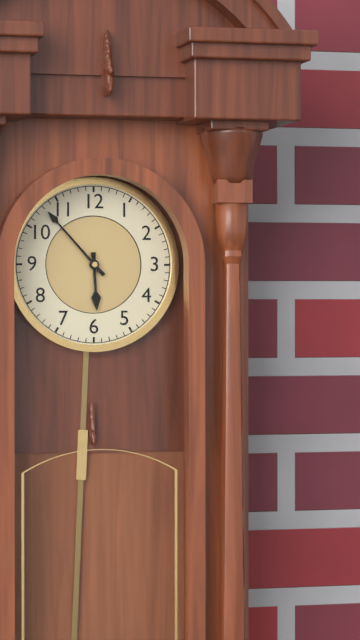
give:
5.53
